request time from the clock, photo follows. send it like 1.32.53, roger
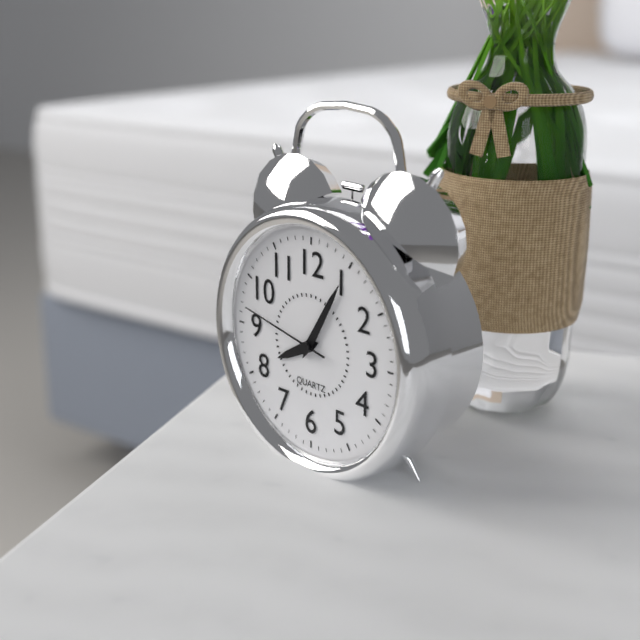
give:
8.05.47
